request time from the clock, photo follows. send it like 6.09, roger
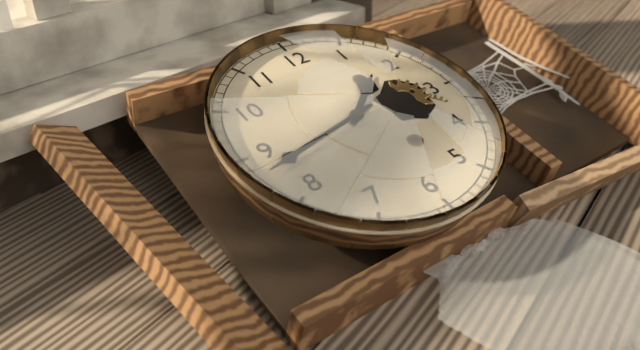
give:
1.43
